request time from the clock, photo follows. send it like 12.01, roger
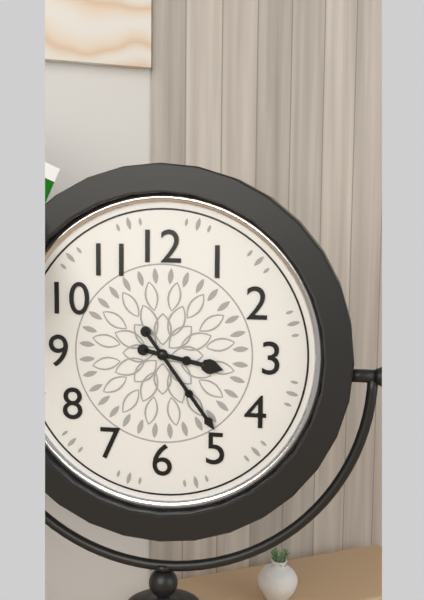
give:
3.24
